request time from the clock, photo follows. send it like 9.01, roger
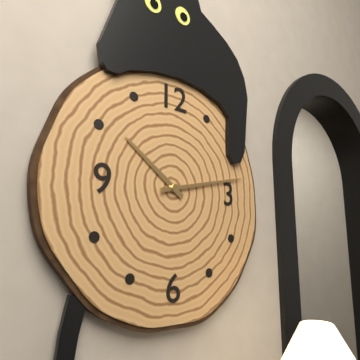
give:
10.13
